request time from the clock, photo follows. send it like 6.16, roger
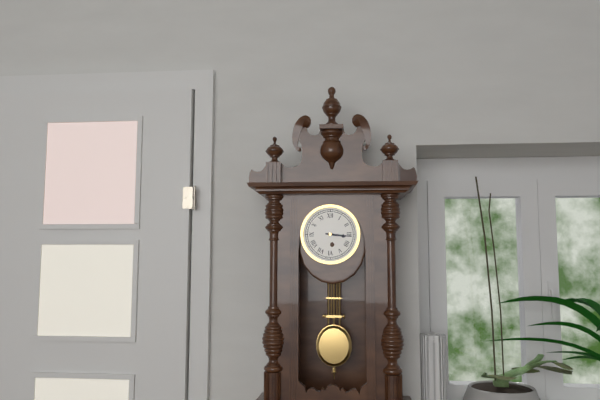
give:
3.16
